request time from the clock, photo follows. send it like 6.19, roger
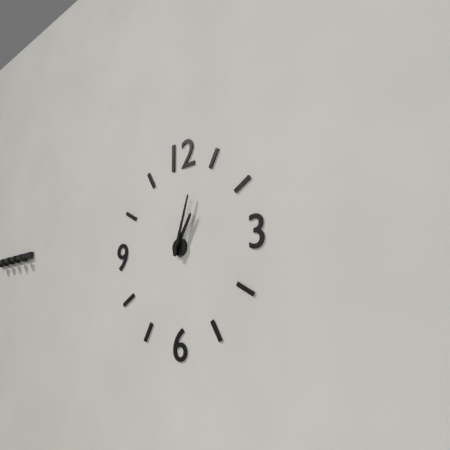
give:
1.03
